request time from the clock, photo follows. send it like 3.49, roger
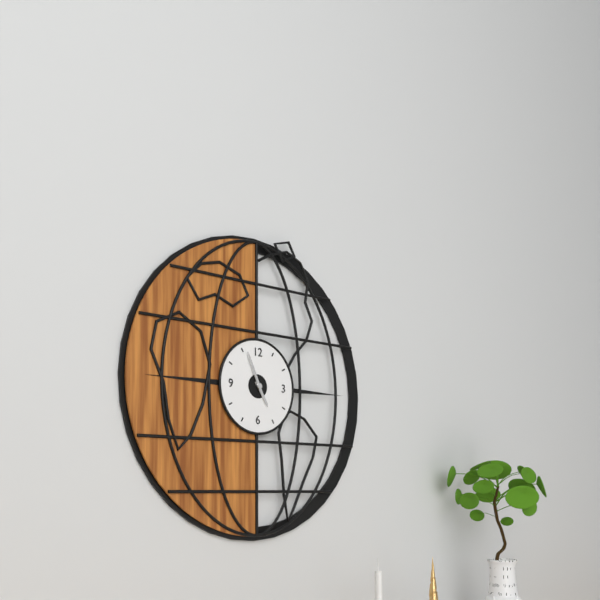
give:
4.56
